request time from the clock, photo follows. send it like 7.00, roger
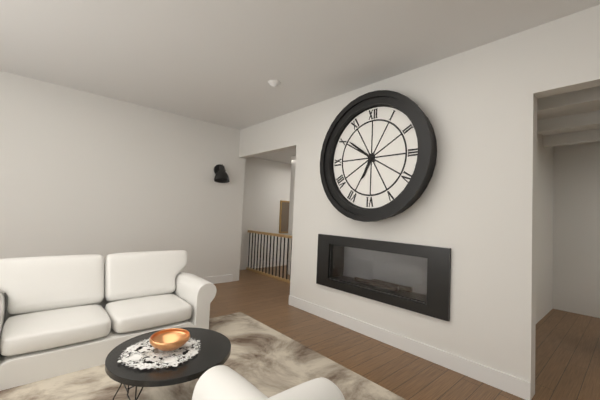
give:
6.51
